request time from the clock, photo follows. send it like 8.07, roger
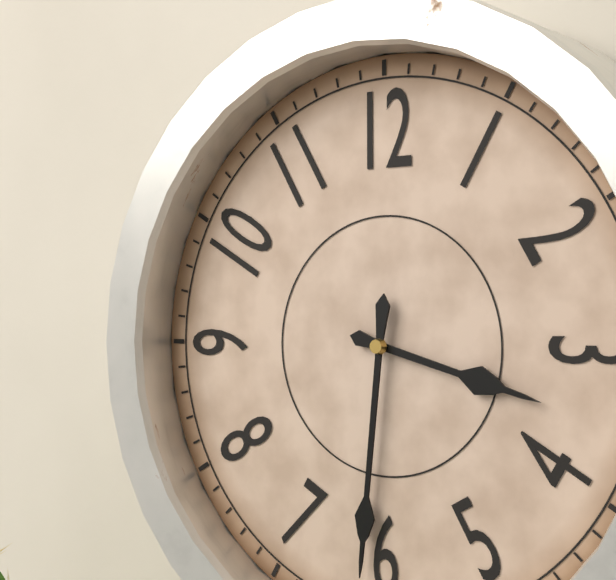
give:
3.31
